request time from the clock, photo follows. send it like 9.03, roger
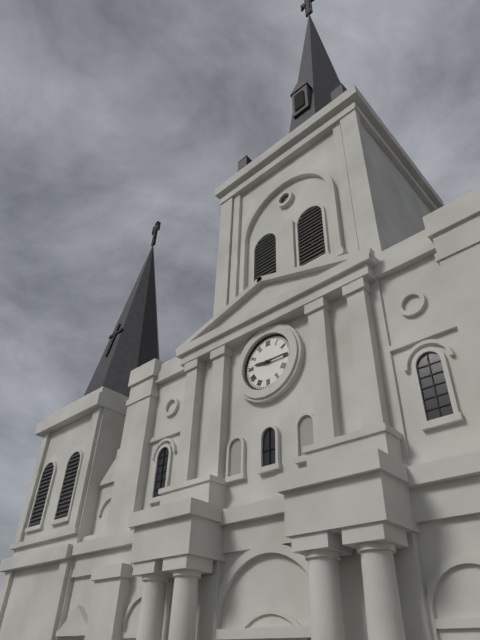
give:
9.15
